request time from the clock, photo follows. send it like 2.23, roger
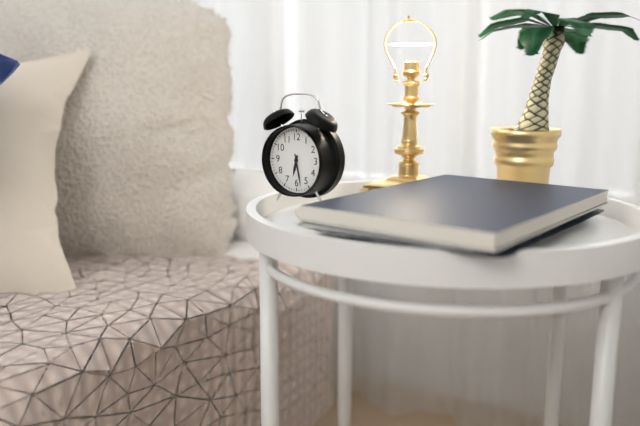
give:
6.28
